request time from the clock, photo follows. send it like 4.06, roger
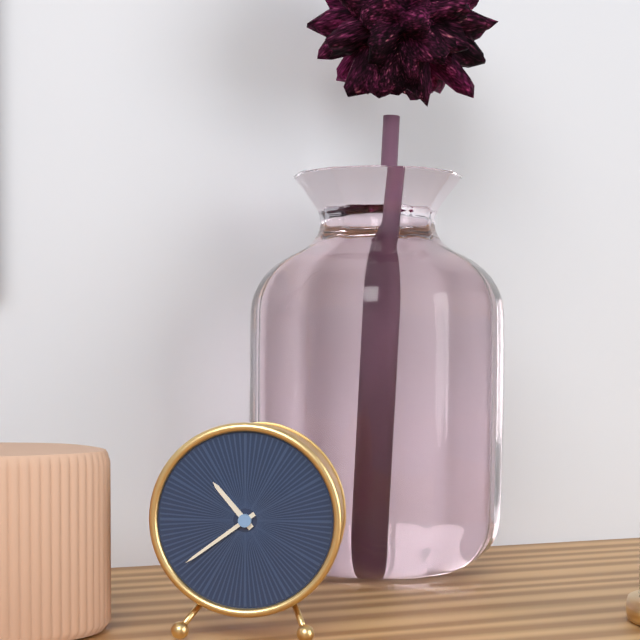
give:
10.39
